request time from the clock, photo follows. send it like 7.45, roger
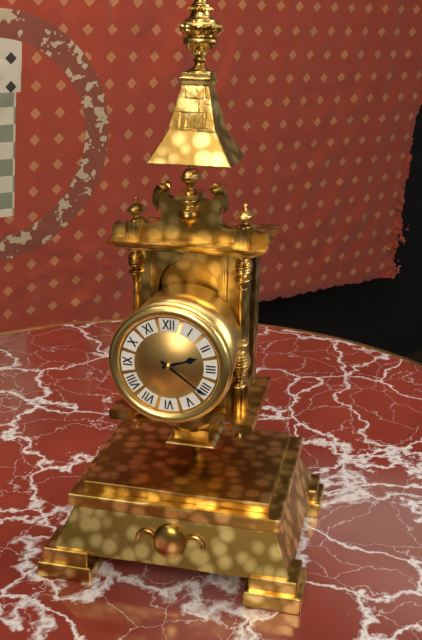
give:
2.21
